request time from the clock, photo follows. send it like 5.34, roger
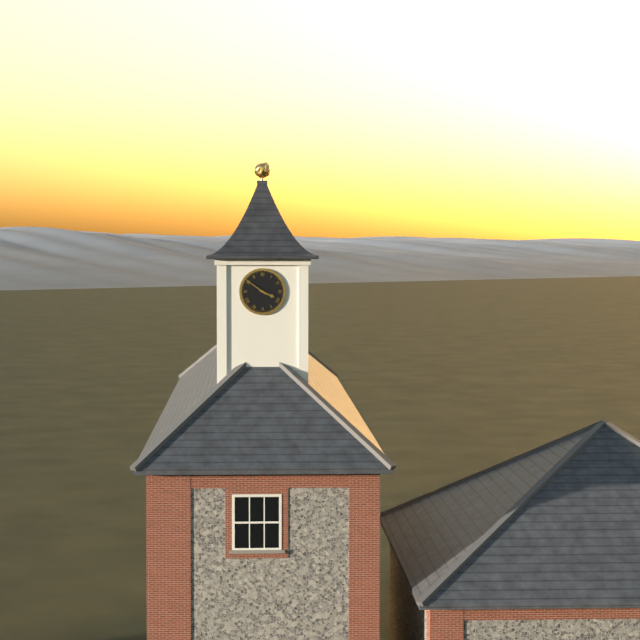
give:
3.51
